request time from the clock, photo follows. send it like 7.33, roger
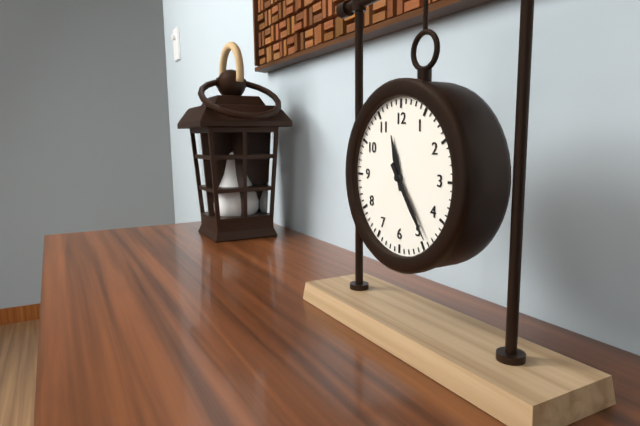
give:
11.24
